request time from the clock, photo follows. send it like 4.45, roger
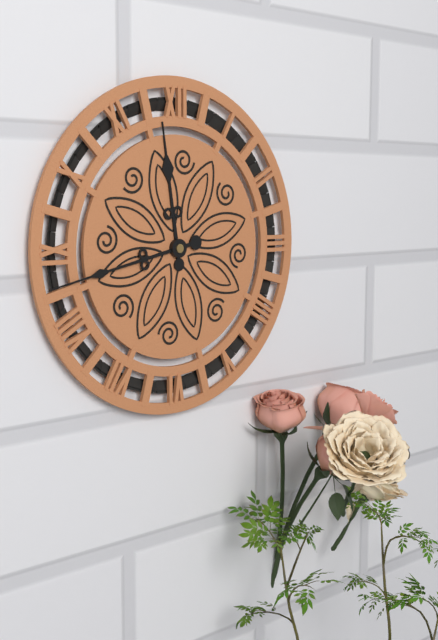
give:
11.43
